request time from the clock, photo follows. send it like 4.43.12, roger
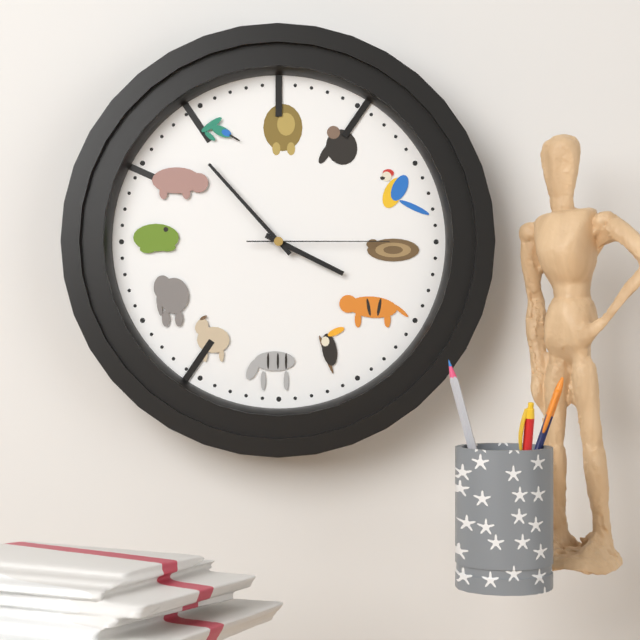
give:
3.53.15
